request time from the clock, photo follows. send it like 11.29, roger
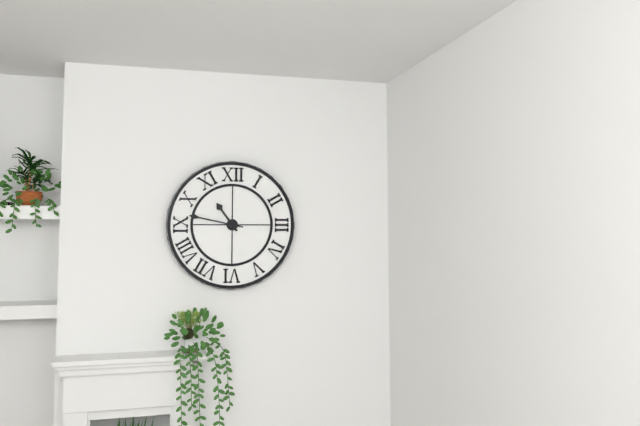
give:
10.47
